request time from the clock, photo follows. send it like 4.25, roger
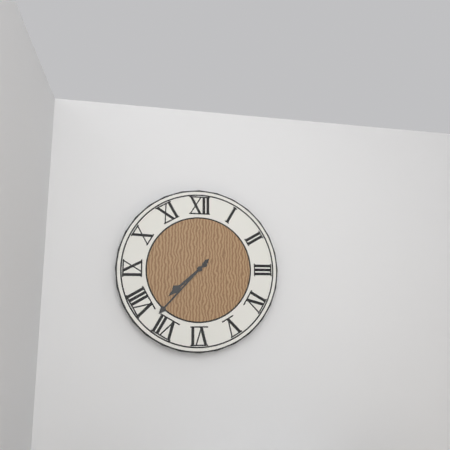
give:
7.37
